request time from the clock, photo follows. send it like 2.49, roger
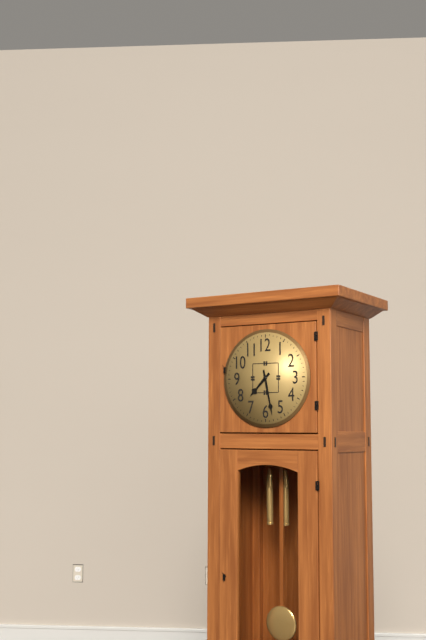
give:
7.28
